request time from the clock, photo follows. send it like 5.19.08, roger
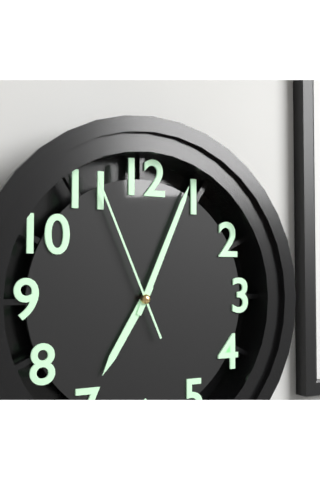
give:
7.04.56
